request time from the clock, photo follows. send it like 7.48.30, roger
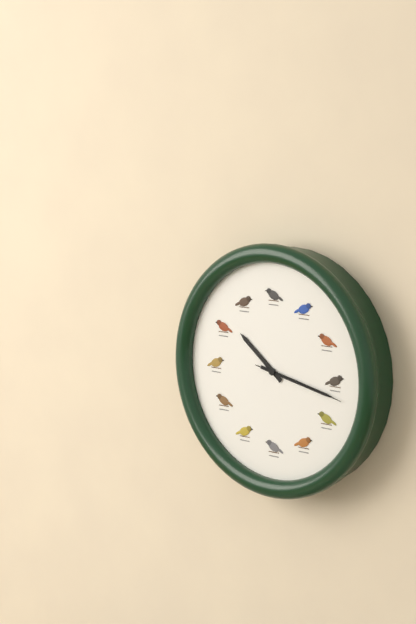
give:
10.17.17
